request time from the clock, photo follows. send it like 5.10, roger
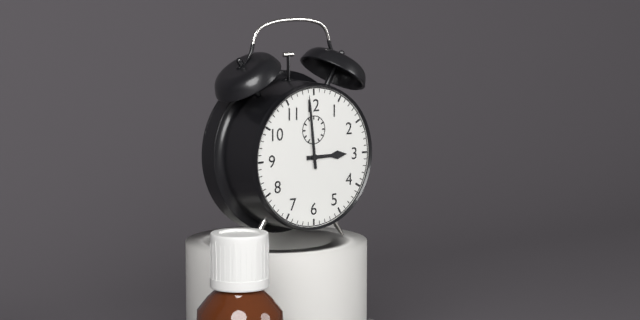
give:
2.59
